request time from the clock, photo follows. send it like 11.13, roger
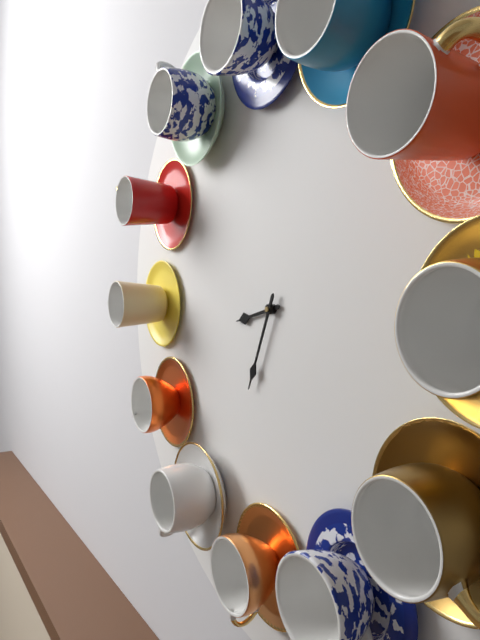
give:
8.34
